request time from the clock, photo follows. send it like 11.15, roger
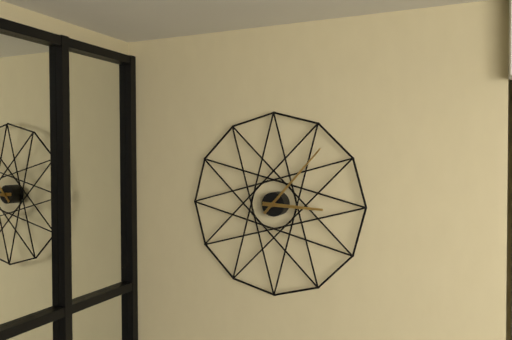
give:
3.07
